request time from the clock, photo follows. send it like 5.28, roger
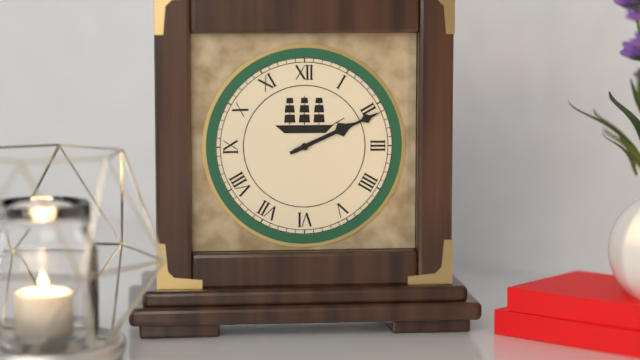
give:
2.11
